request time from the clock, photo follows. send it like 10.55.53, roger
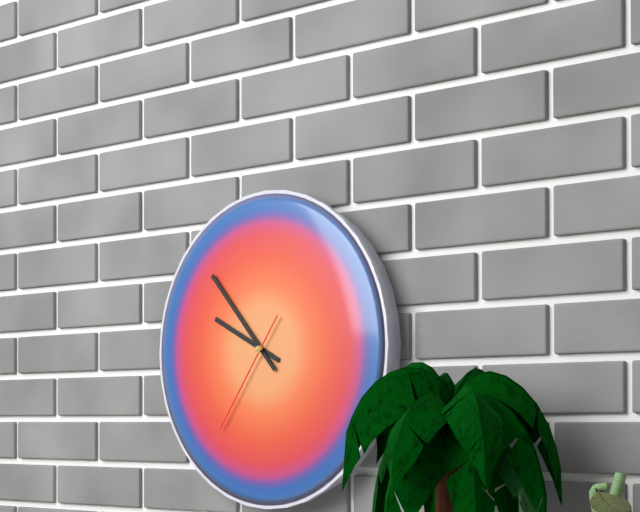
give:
9.53.36
